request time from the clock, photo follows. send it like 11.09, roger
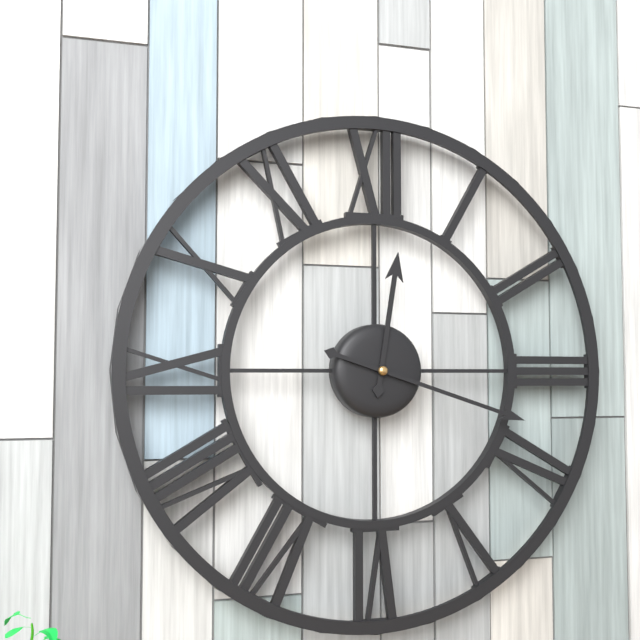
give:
12.18
